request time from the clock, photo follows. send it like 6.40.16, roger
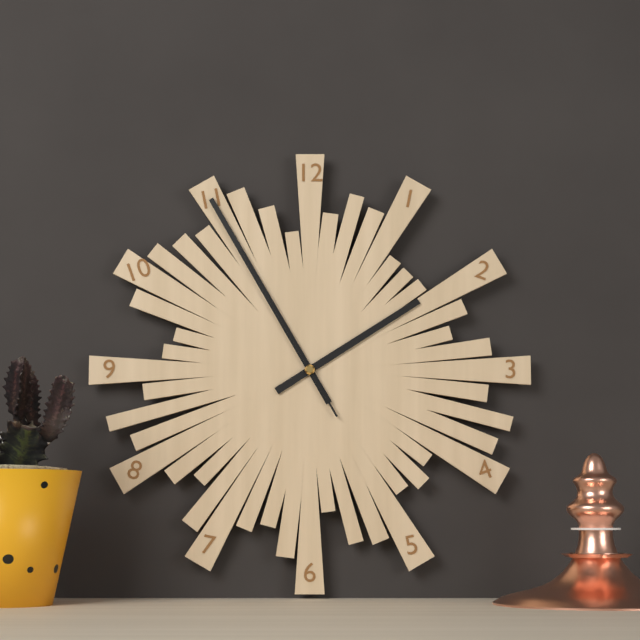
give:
1.55.55
